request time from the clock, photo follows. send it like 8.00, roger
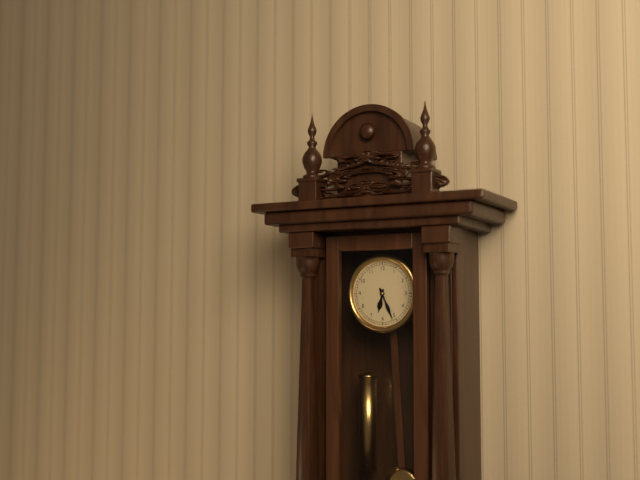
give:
6.26
